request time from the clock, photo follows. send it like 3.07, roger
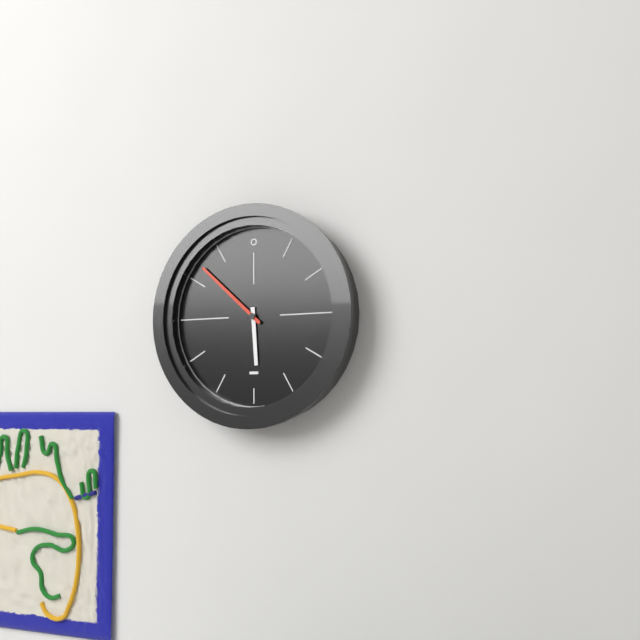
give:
5.52
